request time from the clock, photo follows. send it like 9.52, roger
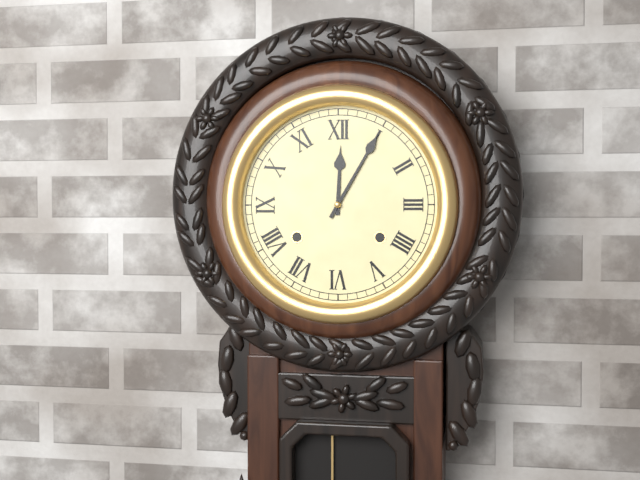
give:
12.05
